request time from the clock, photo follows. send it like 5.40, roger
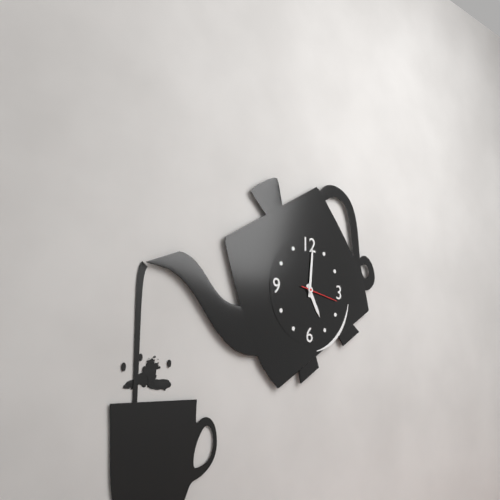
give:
5.01
